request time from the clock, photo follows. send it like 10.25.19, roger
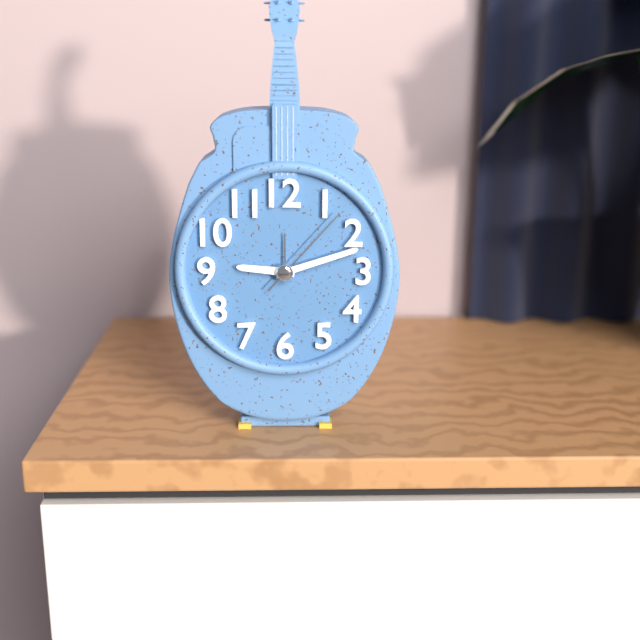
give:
9.12.07
